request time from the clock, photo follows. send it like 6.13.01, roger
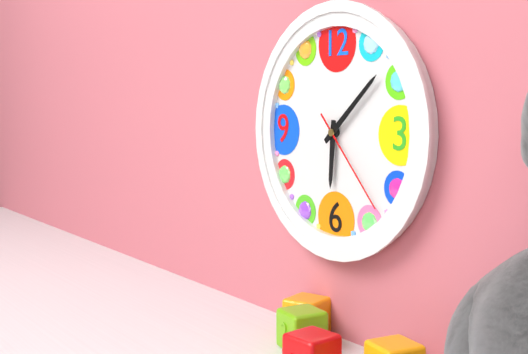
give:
6.08.23
